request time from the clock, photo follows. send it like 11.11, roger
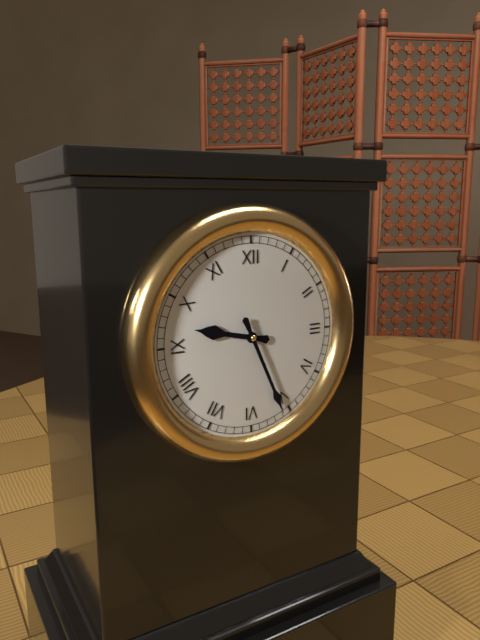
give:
9.26
